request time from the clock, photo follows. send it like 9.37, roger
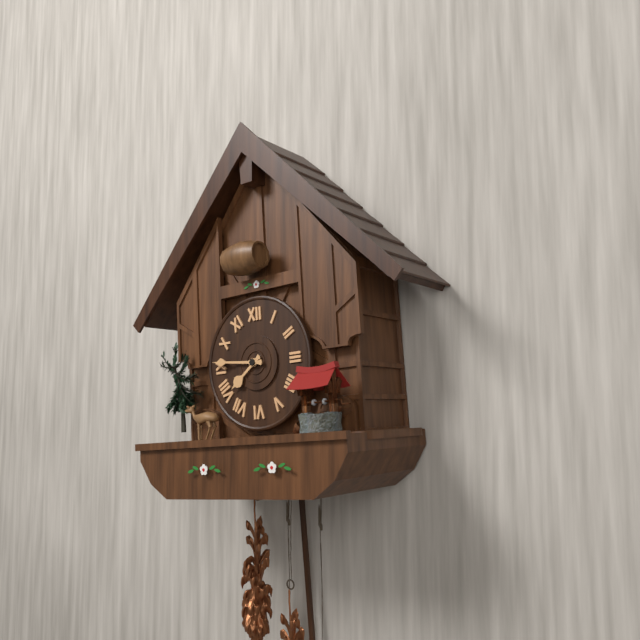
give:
7.46
